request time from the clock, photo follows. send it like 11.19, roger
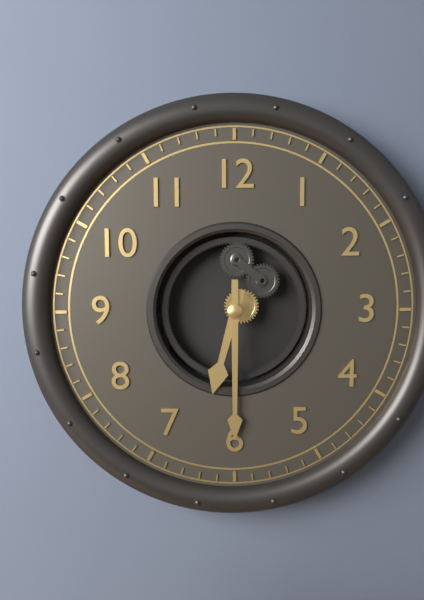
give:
6.30
